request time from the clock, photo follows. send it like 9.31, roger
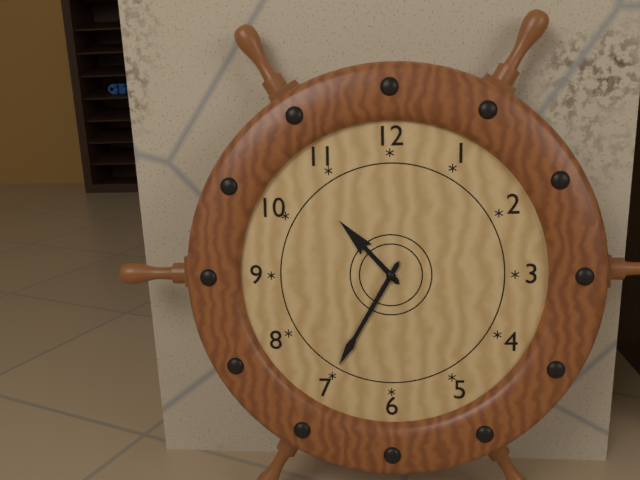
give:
10.35
